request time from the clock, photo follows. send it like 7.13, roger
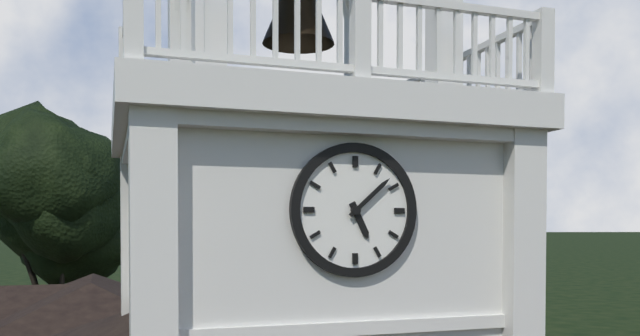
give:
5.08
